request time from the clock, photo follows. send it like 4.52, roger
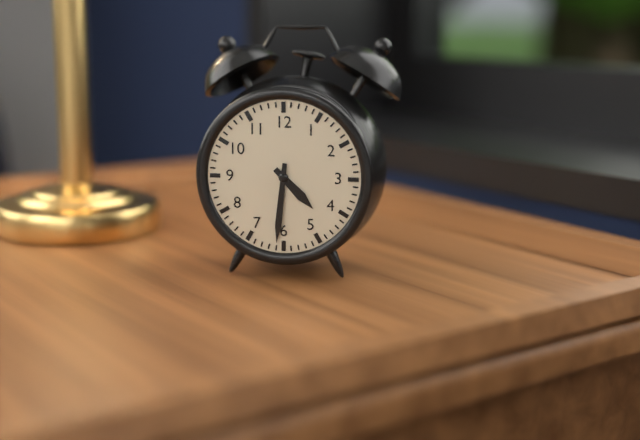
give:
4.31
